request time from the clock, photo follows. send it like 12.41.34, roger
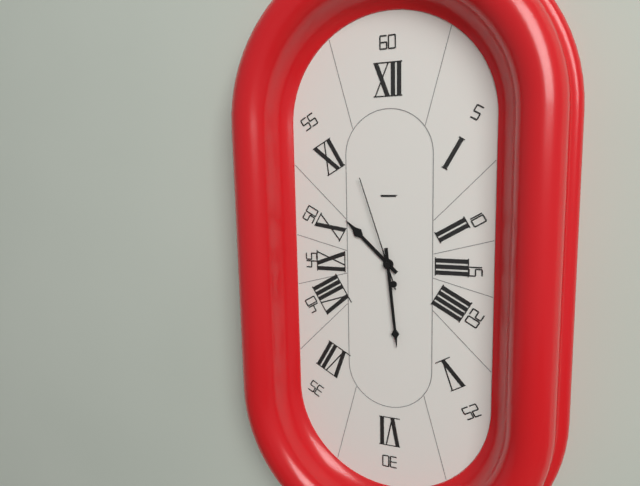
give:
10.29.57
